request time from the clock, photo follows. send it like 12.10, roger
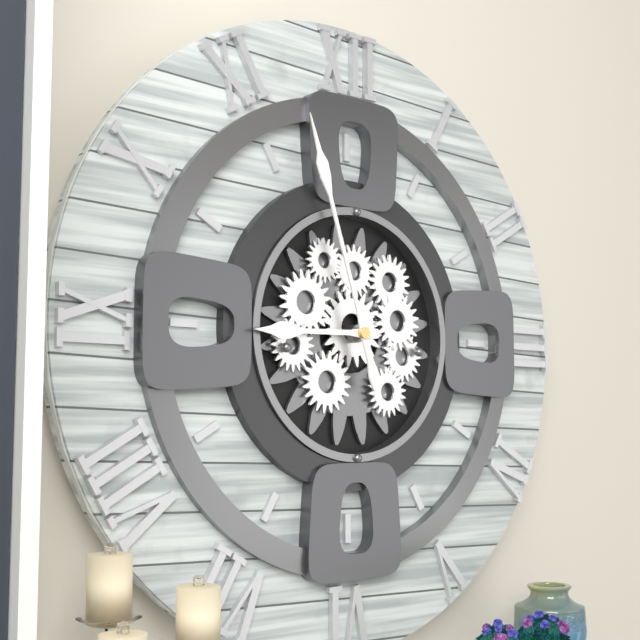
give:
8.57
